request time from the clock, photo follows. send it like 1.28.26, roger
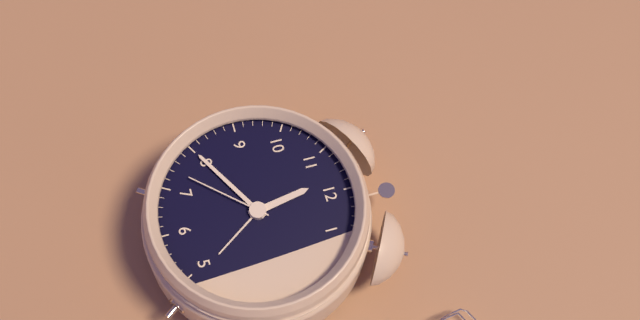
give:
11.40.37
